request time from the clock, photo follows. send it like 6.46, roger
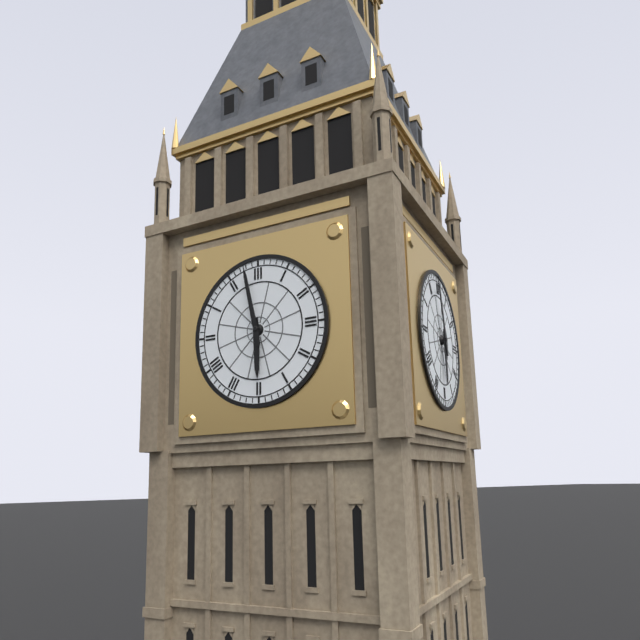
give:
5.58
